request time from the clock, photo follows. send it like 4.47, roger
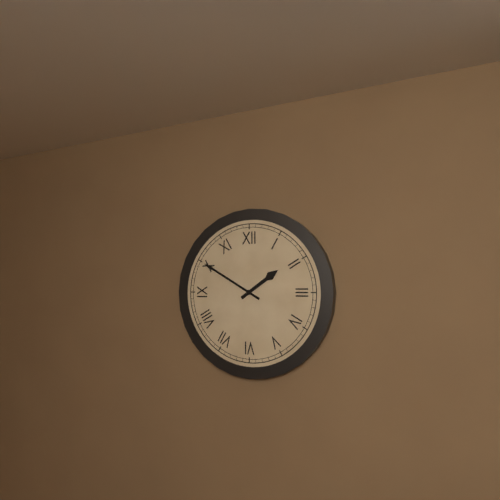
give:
1.50
